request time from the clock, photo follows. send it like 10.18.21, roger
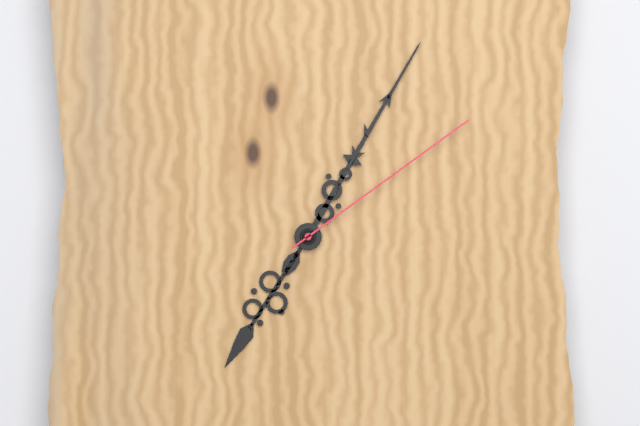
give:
7.05.09
